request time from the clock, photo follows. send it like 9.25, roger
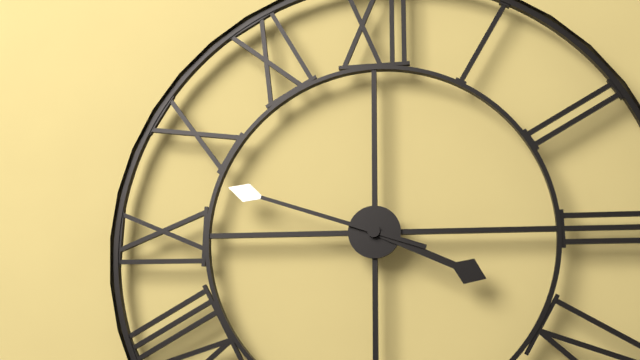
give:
3.48
